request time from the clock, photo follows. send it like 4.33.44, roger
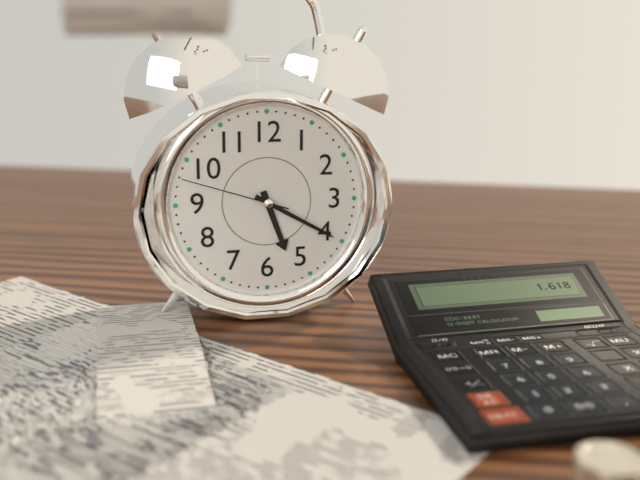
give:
5.20.48
